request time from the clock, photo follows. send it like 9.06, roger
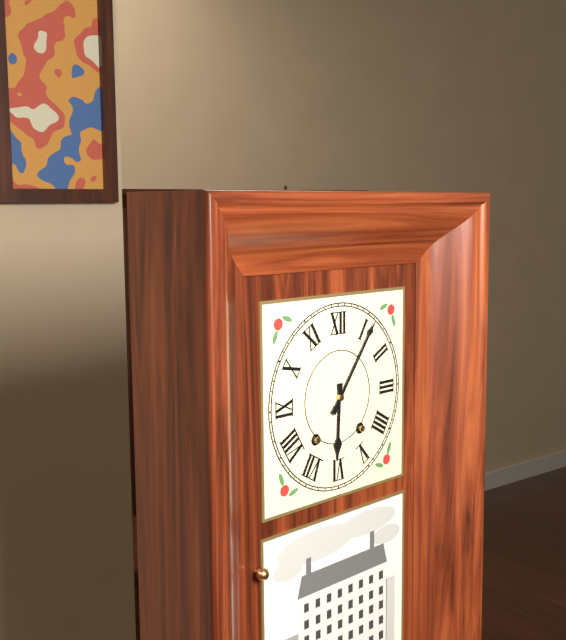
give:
6.06
